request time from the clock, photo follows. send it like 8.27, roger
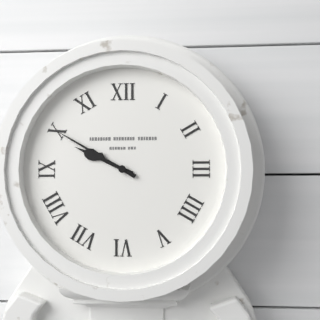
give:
9.50
